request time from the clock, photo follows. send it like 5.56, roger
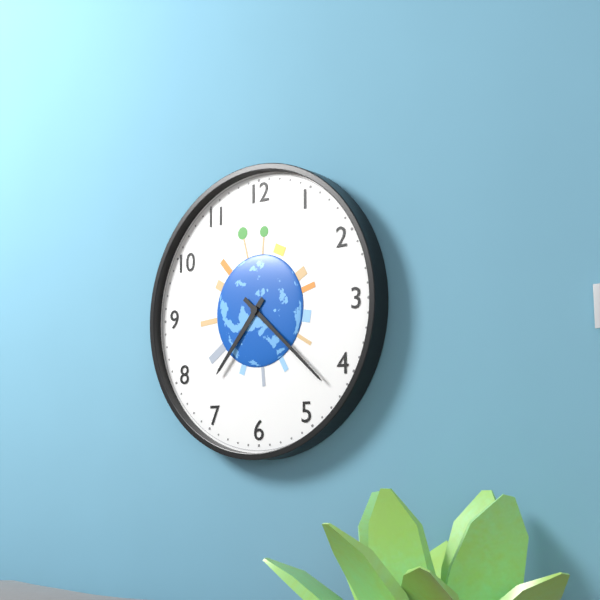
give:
7.22
